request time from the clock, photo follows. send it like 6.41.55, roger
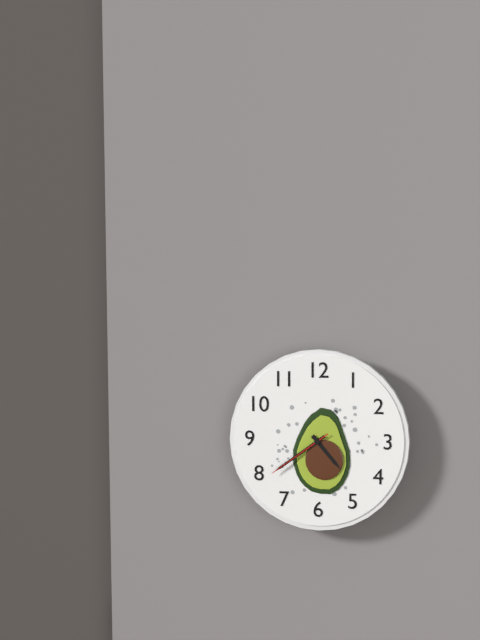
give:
4.39.39
